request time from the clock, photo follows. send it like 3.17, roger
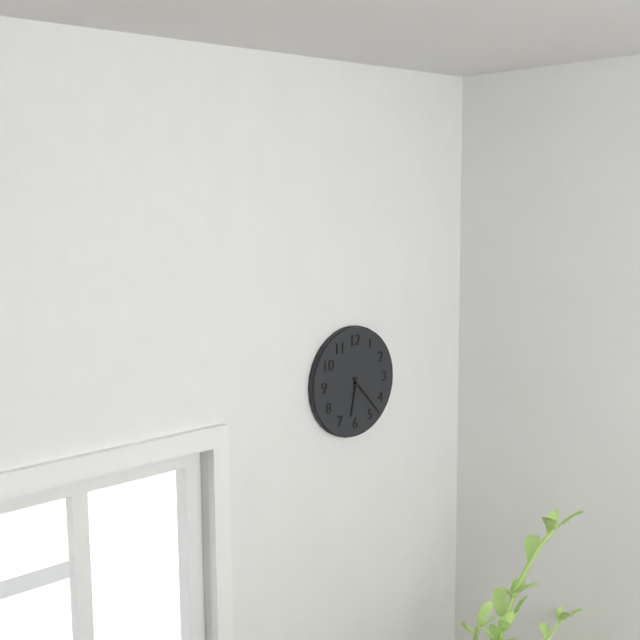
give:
6.23
